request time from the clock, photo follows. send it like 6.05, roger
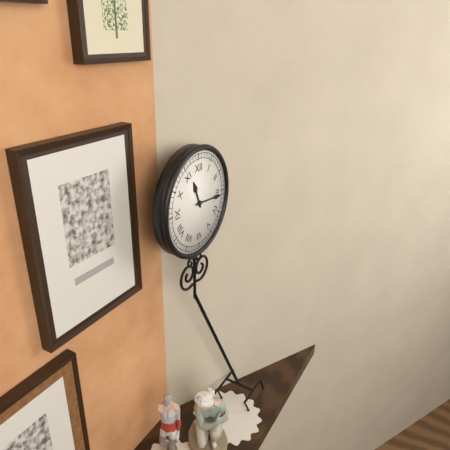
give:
11.16
